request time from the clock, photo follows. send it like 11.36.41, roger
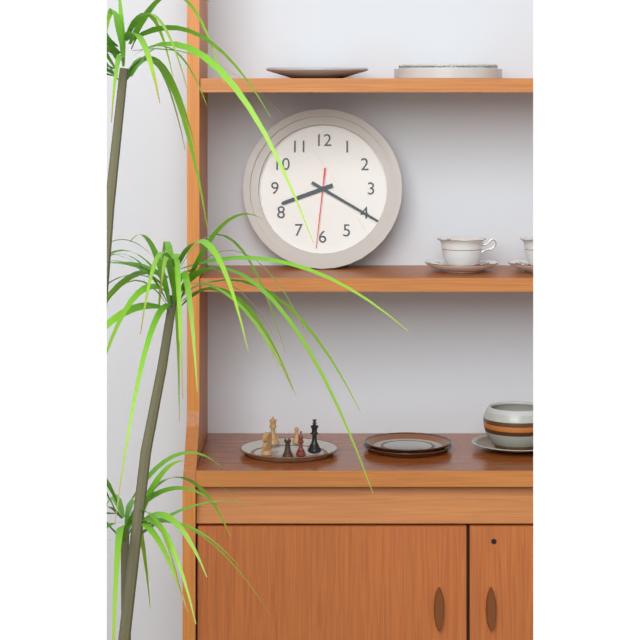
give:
8.20.31
